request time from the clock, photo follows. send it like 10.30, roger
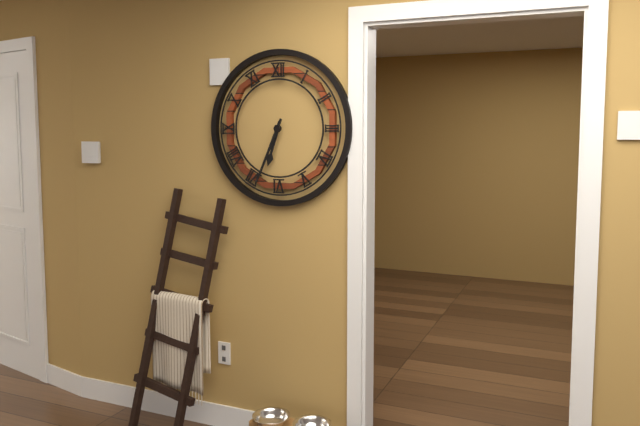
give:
6.34
